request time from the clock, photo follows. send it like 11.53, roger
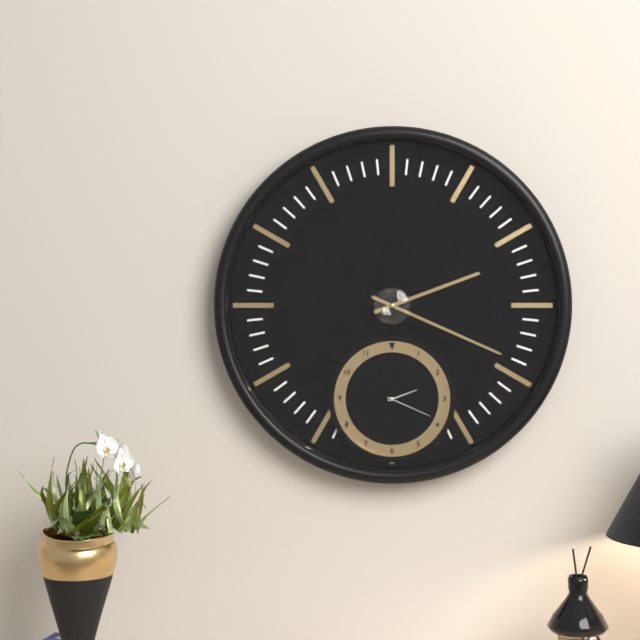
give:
2.19
